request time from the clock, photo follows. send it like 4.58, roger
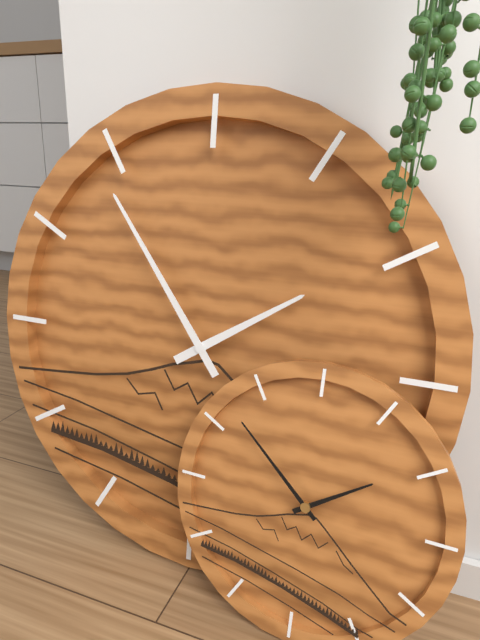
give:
1.54
